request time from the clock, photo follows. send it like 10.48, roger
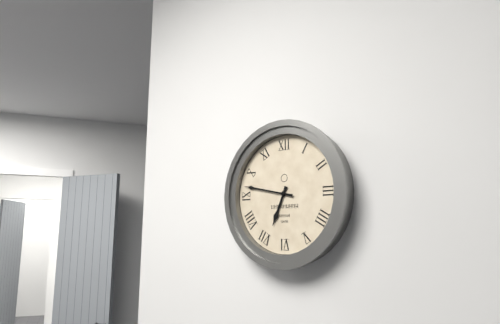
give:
6.47
